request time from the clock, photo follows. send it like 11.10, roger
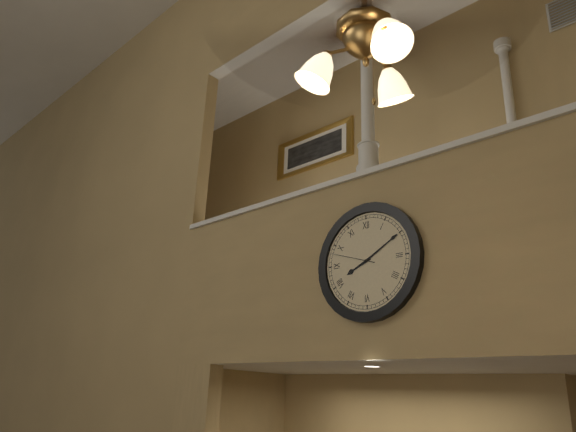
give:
8.10
